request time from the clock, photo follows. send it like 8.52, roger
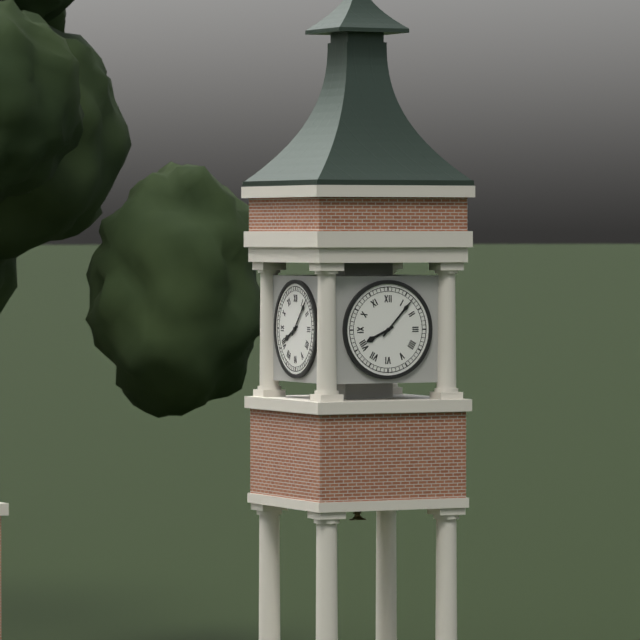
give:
8.07
